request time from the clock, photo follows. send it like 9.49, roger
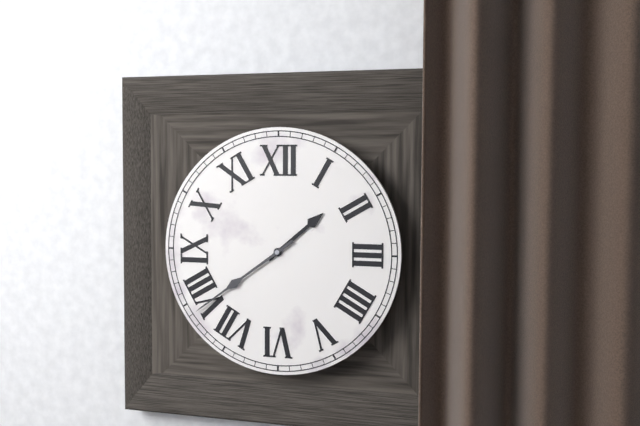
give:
1.39
